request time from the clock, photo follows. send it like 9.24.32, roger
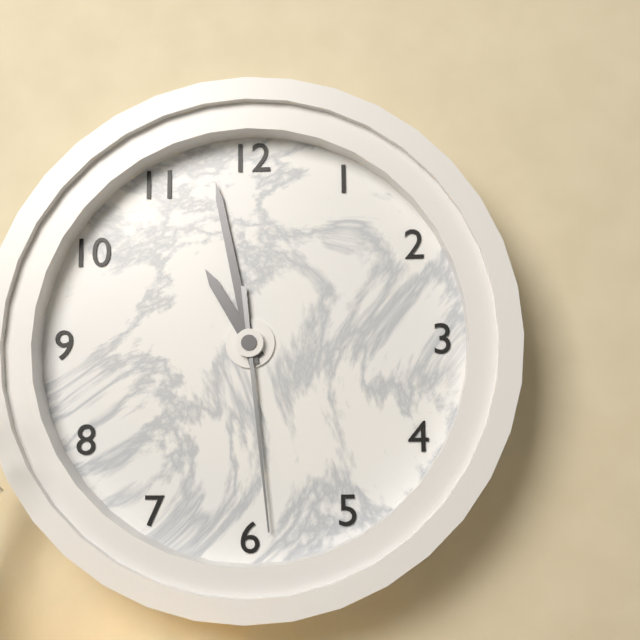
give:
10.58.29
